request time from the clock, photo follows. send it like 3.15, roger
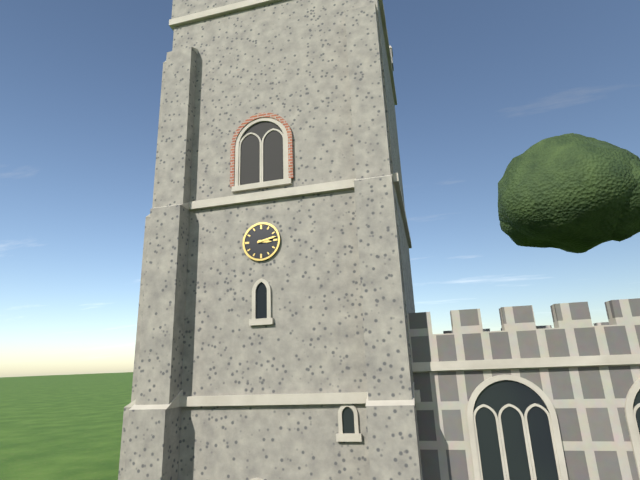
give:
3.13
